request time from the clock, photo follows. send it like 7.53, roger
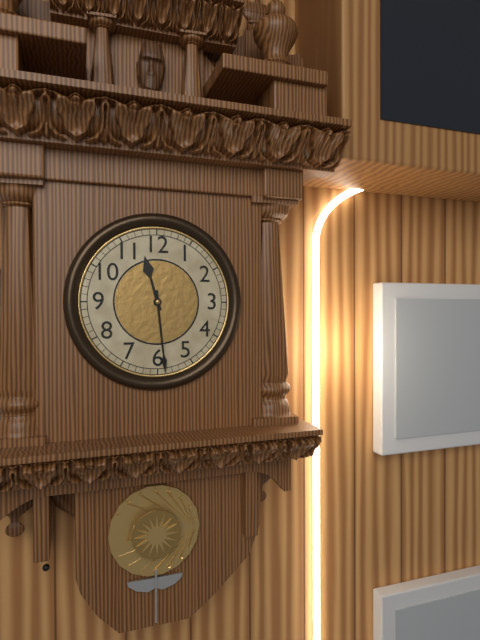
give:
11.29
